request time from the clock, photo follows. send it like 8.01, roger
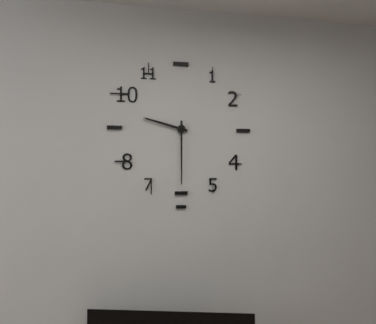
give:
9.30
